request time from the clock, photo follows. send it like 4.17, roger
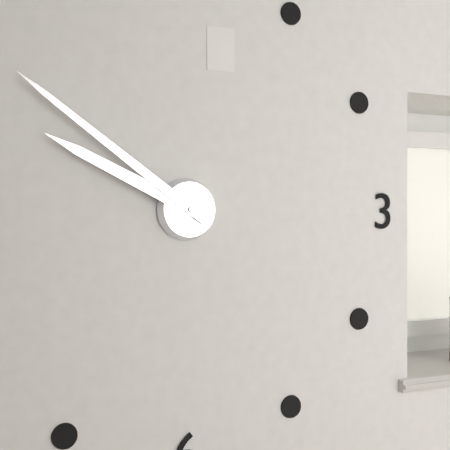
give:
9.51
